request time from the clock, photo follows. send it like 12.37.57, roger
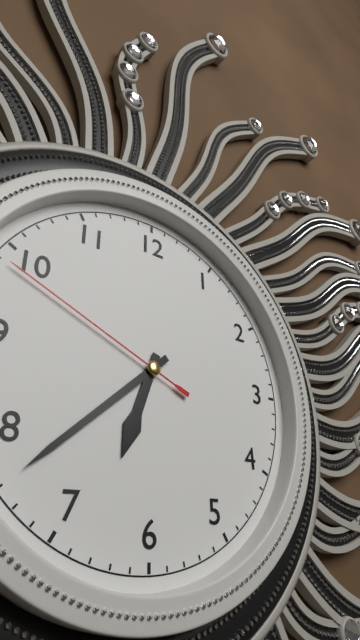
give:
6.38.49
